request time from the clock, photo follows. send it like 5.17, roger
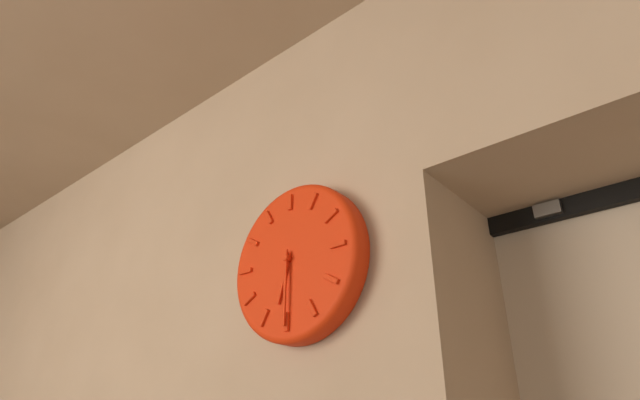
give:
6.30
